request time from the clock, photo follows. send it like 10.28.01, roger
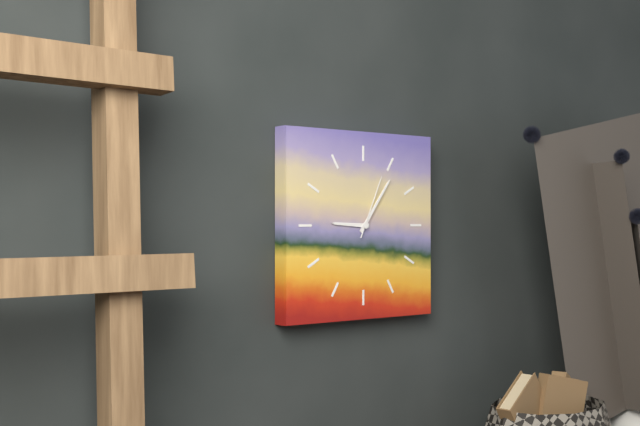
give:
9.06.04
